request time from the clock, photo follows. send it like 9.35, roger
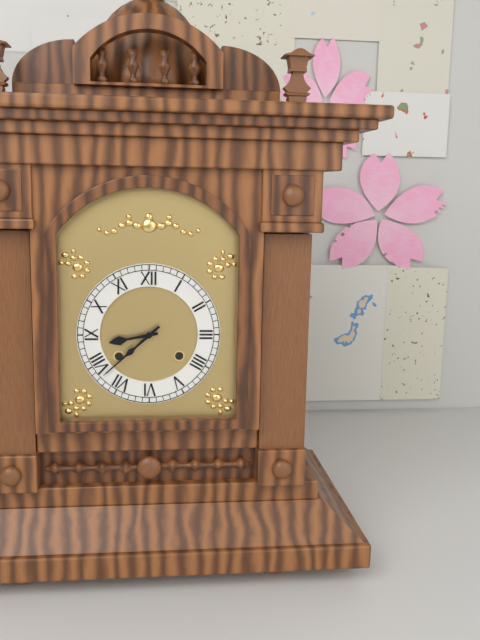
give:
8.38
